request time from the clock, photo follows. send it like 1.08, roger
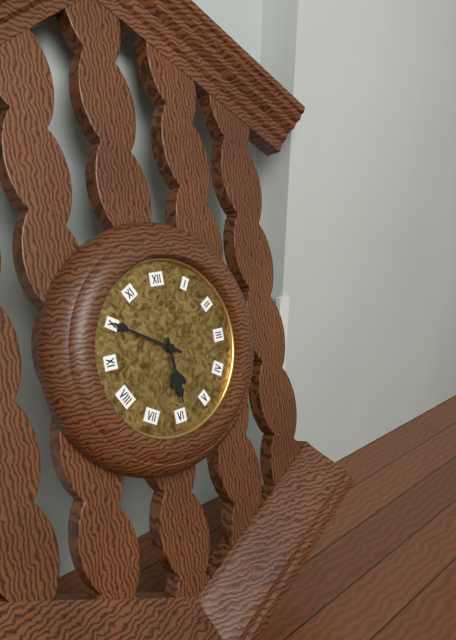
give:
5.50
